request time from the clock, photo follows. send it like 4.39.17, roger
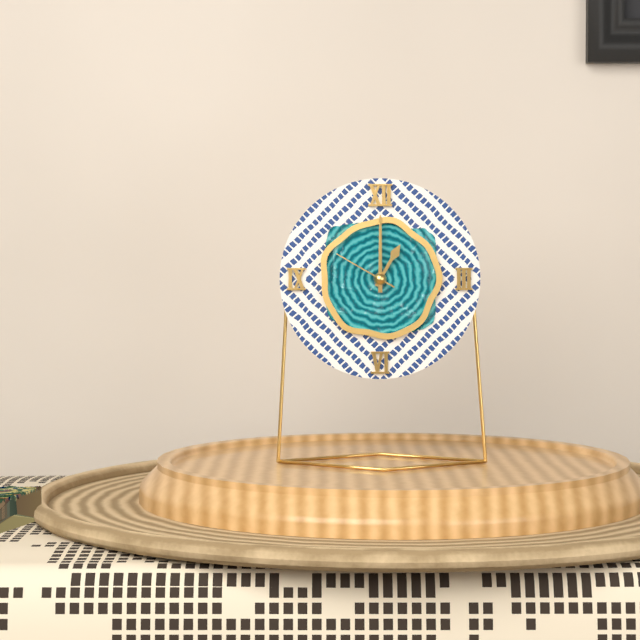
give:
1.00.50
